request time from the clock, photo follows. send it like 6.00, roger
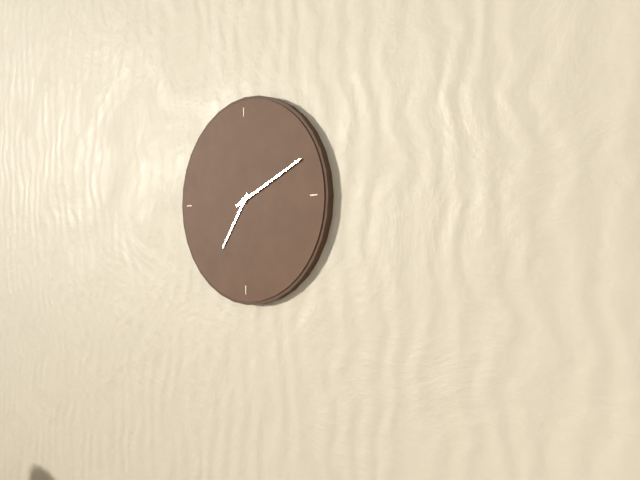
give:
7.11
